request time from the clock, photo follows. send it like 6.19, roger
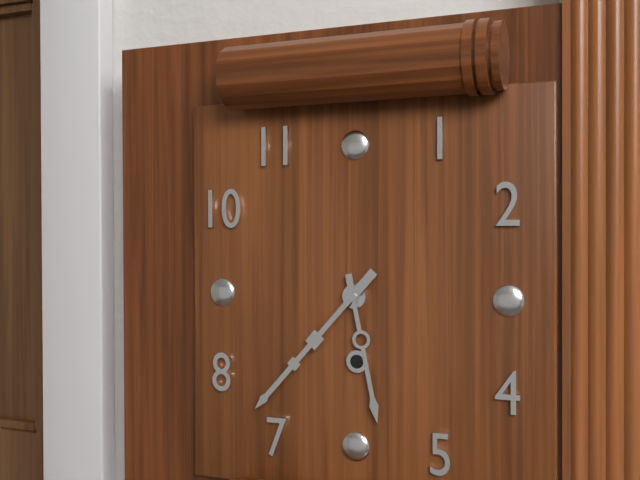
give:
5.37
